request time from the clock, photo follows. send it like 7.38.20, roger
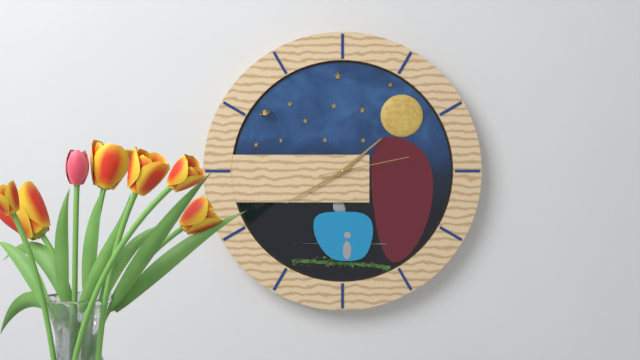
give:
1.40.13
